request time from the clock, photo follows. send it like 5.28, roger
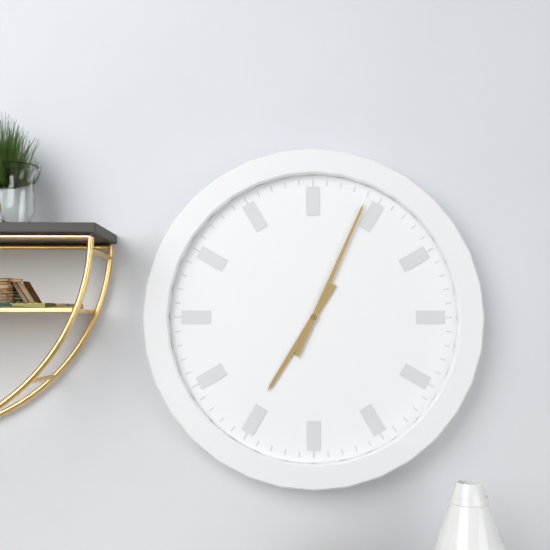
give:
7.04
